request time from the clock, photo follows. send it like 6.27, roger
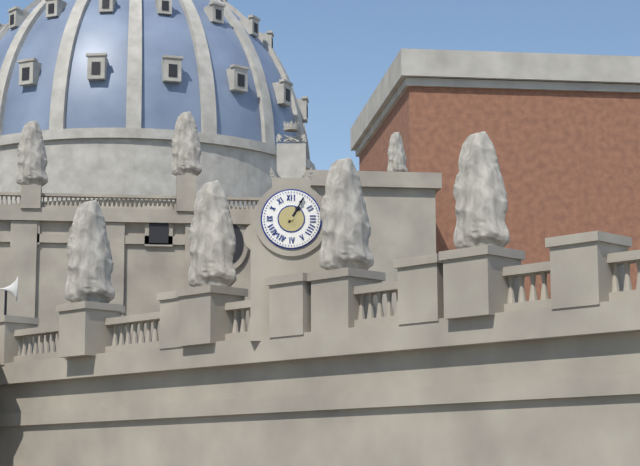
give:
1.05
